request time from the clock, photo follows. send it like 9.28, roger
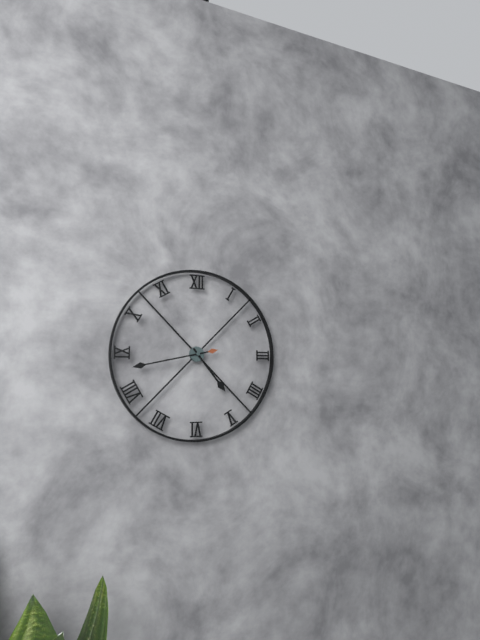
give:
4.43
